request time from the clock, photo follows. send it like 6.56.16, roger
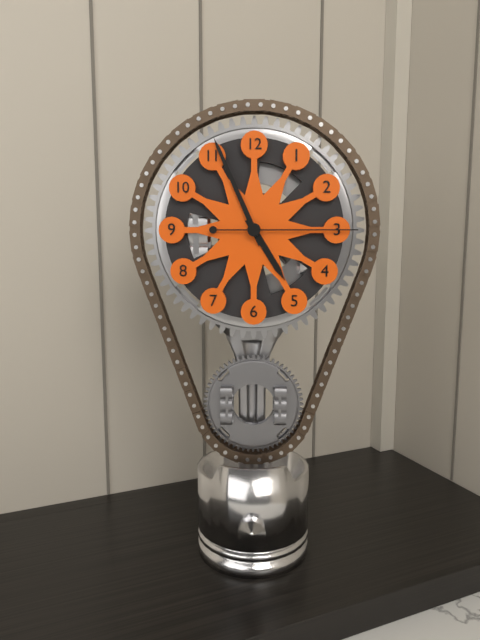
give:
4.56.15
